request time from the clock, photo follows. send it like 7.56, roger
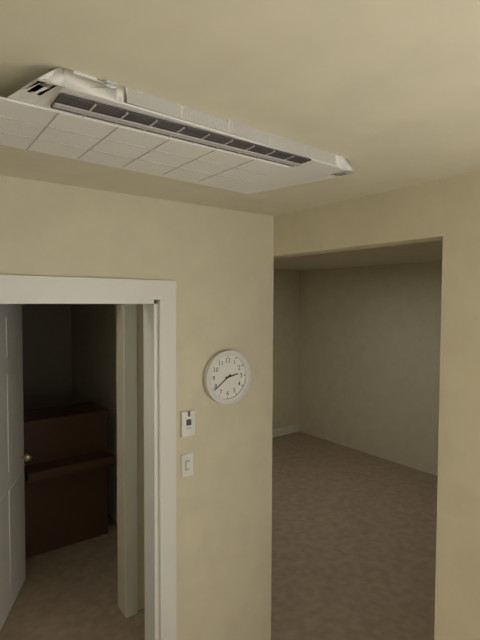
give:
2.39
